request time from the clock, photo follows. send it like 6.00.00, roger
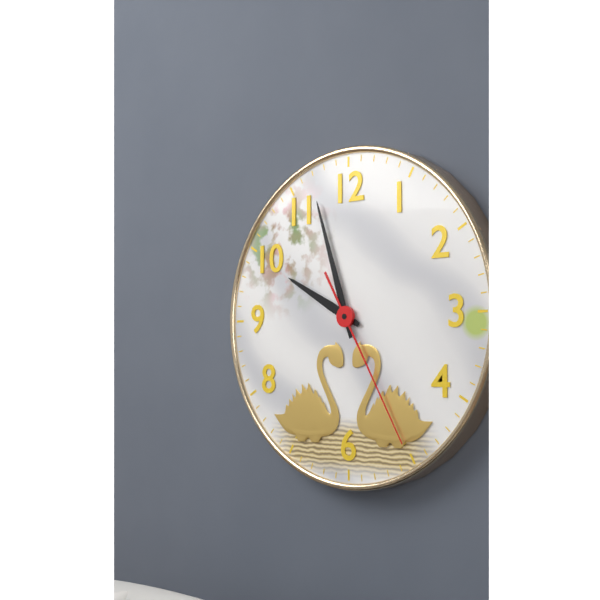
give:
9.57.25
